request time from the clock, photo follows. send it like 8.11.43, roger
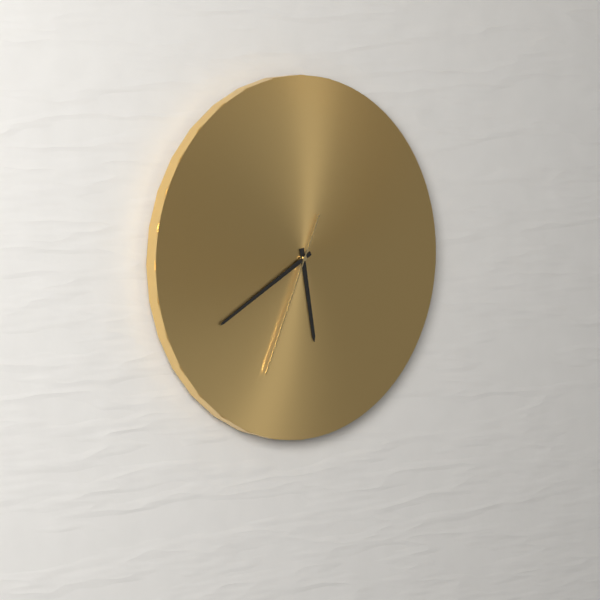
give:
5.40.34
